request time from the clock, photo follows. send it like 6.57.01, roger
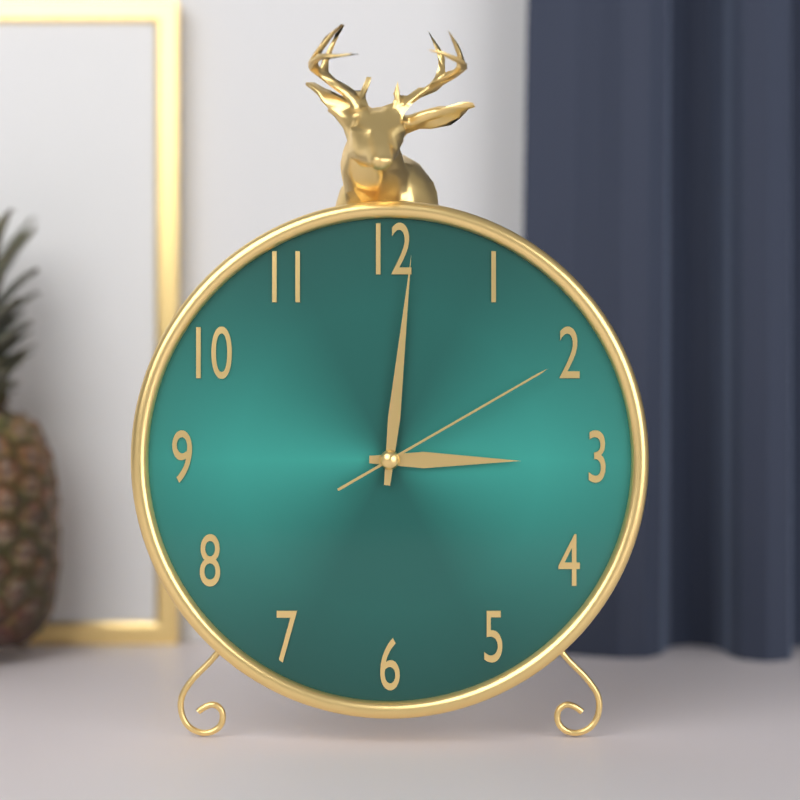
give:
3.01.10
